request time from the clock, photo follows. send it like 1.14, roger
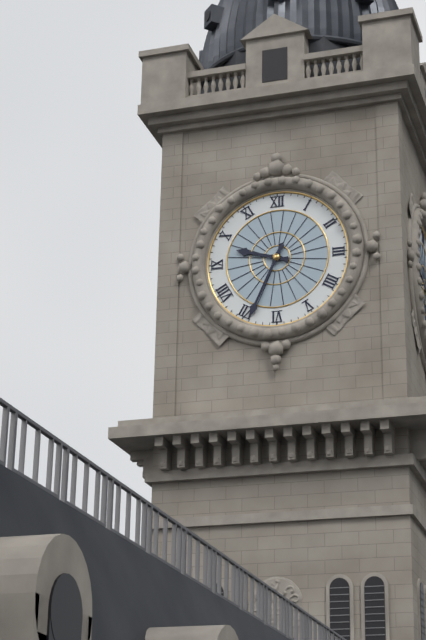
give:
9.34
